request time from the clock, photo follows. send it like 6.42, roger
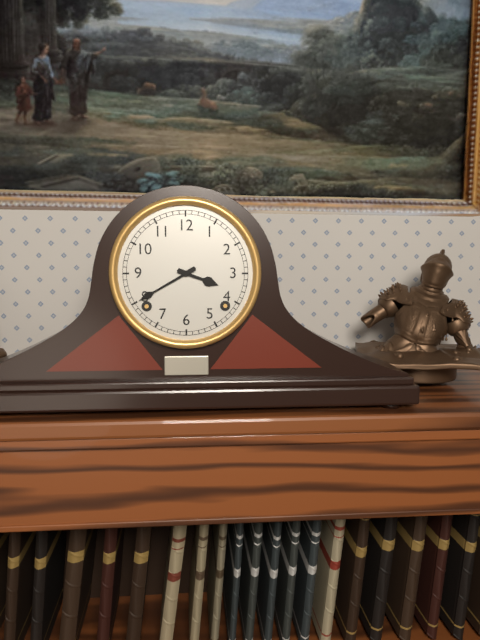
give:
3.40
